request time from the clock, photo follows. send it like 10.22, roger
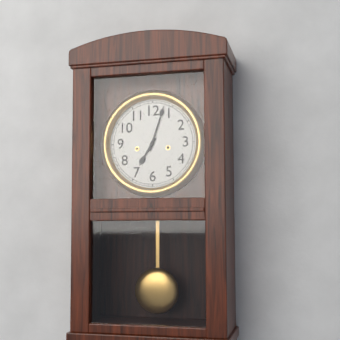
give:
7.03
